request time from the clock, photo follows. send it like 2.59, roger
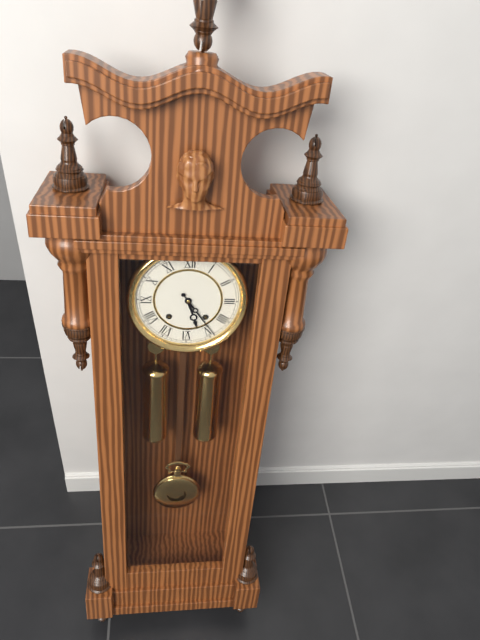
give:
5.24
